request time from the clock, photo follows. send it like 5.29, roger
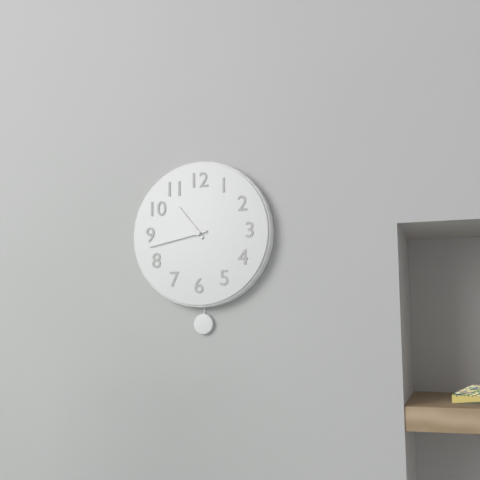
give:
10.43
